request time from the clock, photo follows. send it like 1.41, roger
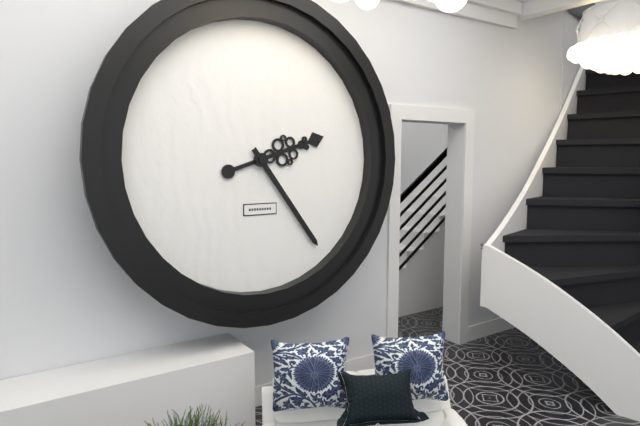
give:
2.24
